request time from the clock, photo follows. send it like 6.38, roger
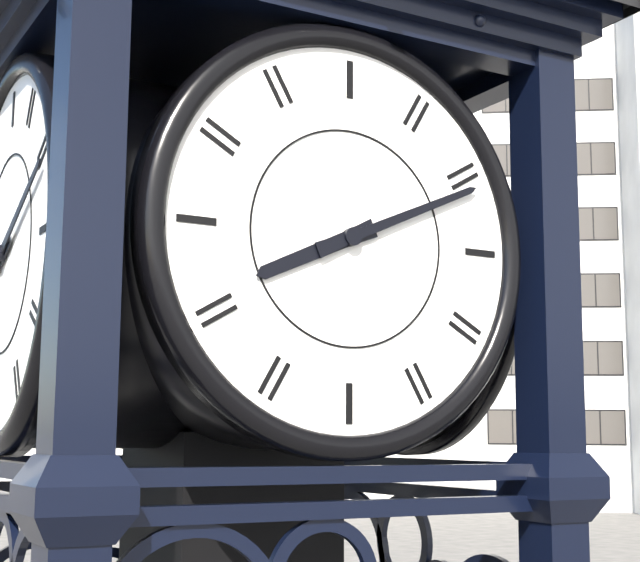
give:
8.11
